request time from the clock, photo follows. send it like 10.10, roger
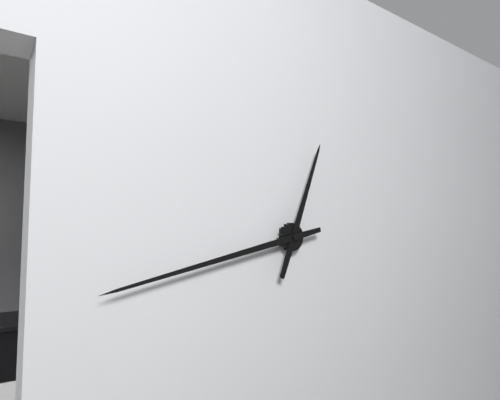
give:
12.43
